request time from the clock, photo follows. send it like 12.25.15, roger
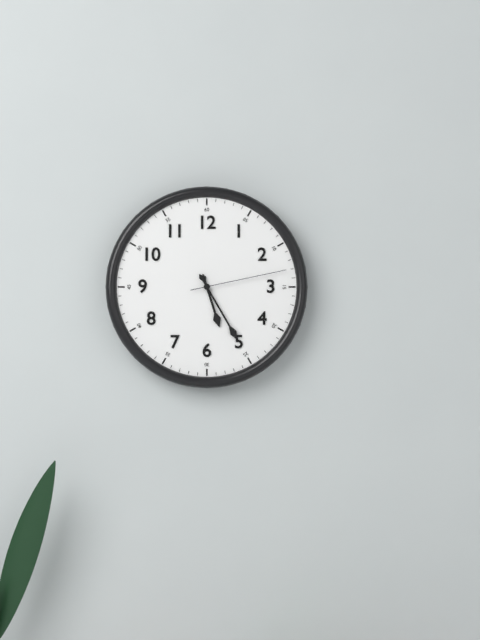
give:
5.25.13
